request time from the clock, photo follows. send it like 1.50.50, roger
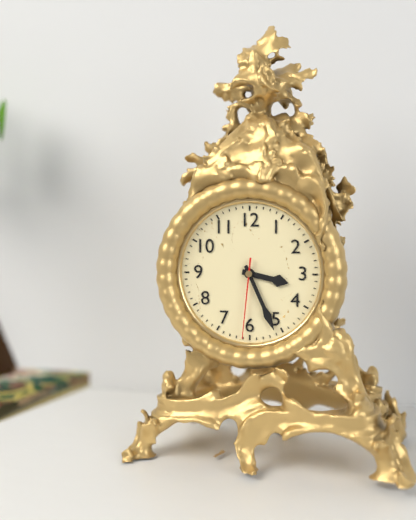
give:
3.26.31
